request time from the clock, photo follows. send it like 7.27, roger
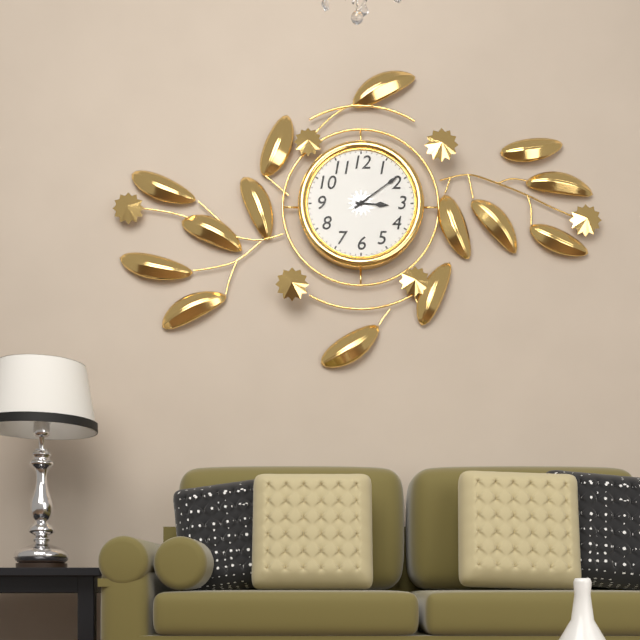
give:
3.09
